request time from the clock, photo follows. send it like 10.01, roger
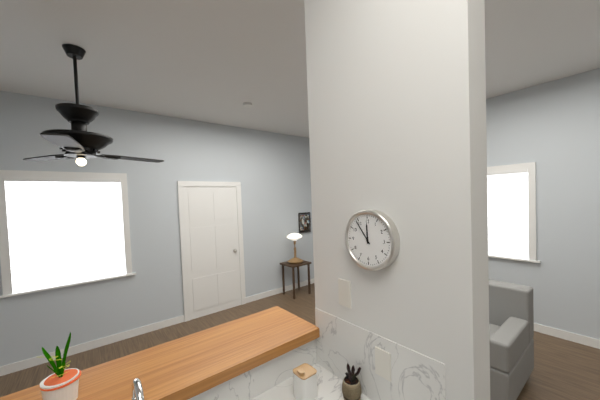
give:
11.54
